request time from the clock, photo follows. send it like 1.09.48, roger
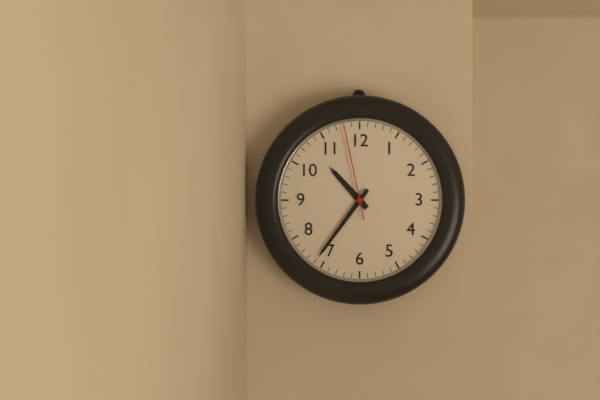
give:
10.36.58
